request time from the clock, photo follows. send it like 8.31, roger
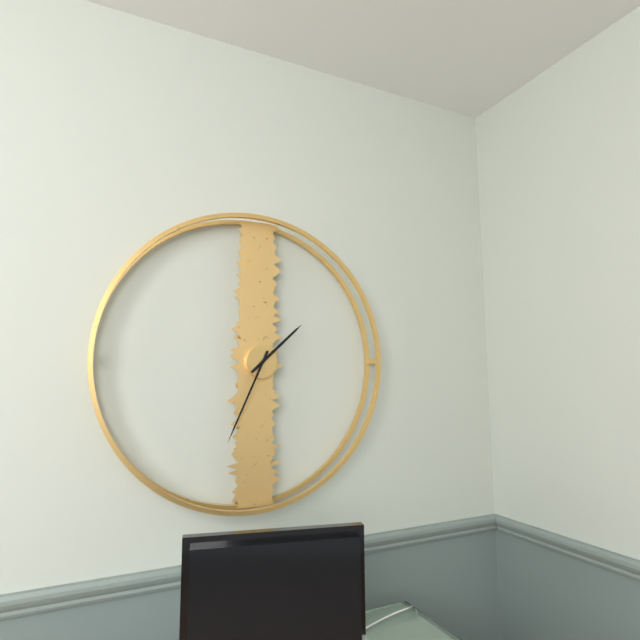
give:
1.34
